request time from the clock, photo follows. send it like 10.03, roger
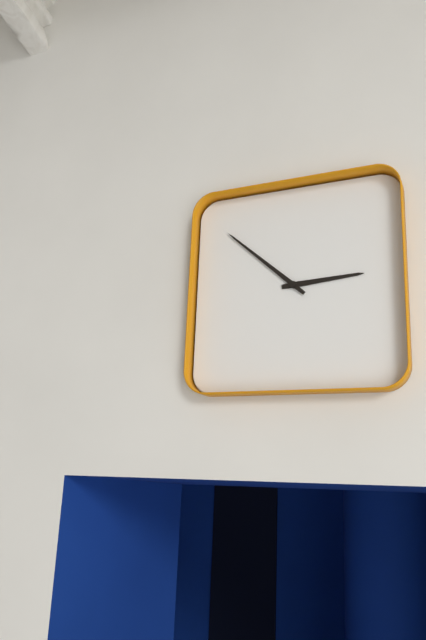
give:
2.52
